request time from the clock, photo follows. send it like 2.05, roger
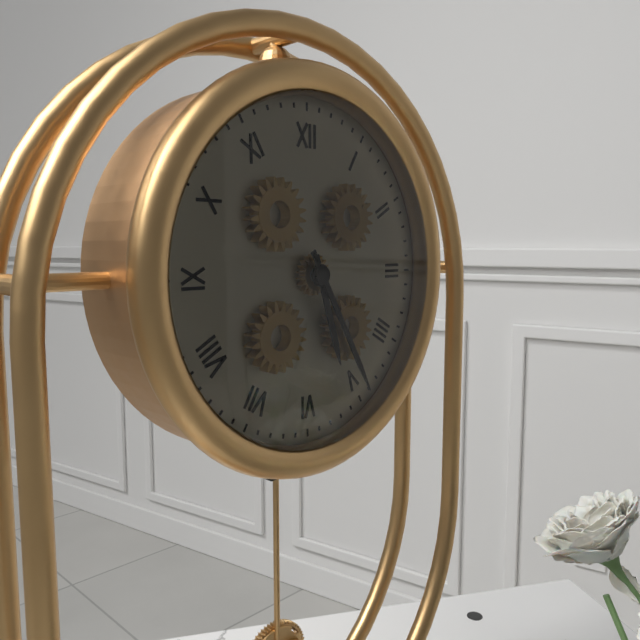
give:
5.25
